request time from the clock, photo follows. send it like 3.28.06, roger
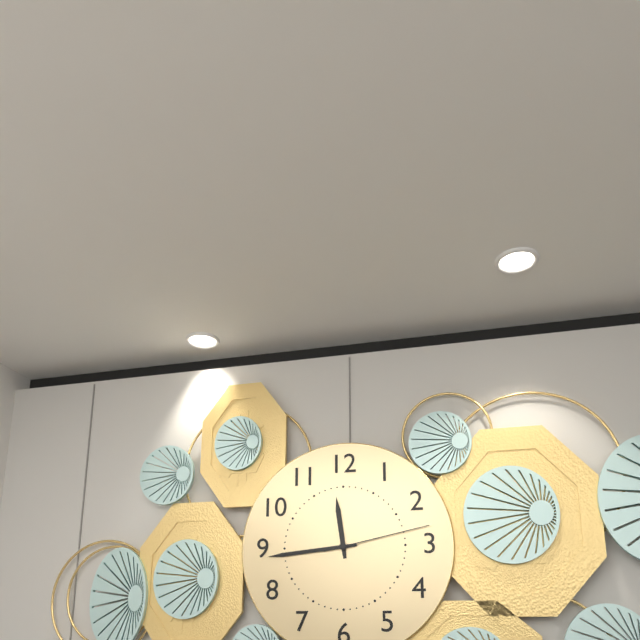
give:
11.44.13
